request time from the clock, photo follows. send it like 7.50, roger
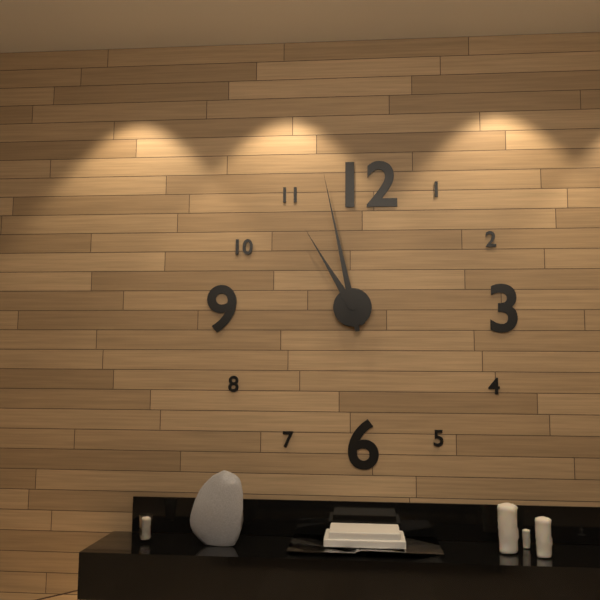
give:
10.58
